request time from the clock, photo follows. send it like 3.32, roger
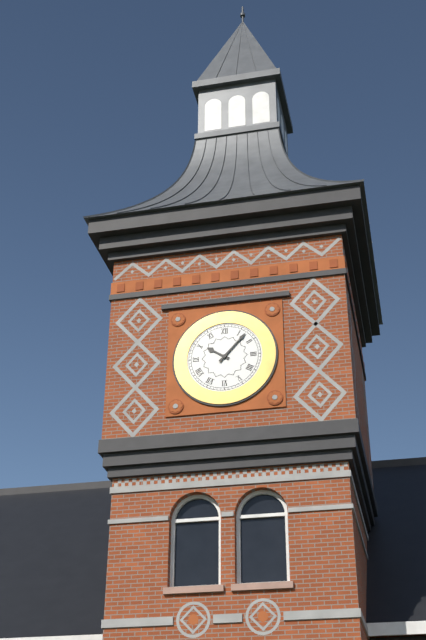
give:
10.07
